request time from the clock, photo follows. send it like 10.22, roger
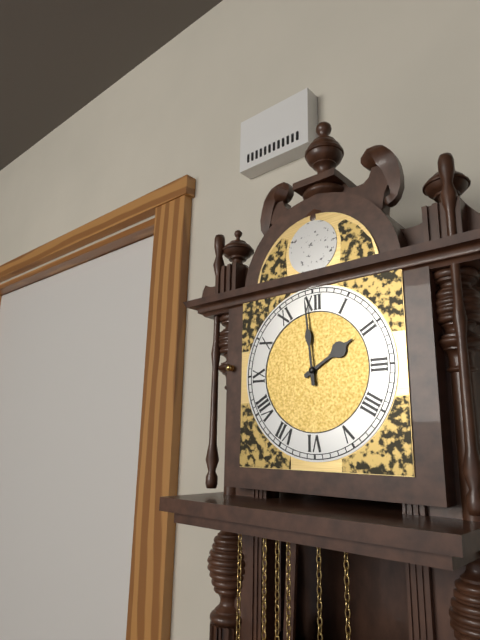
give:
1.59
